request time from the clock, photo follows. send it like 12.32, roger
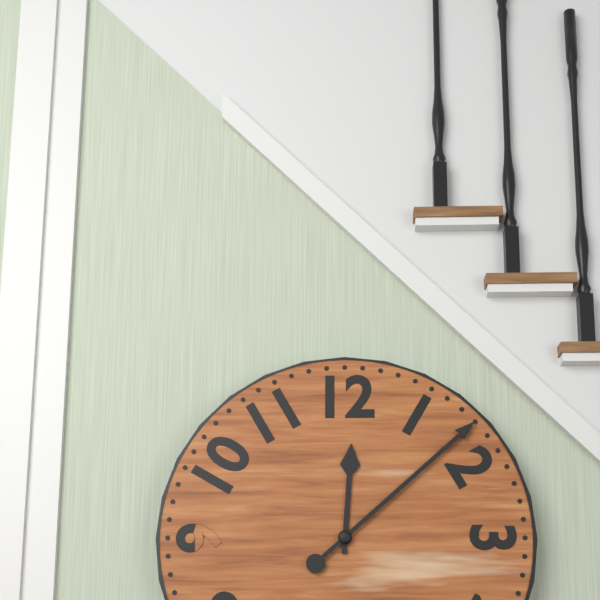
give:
12.08
